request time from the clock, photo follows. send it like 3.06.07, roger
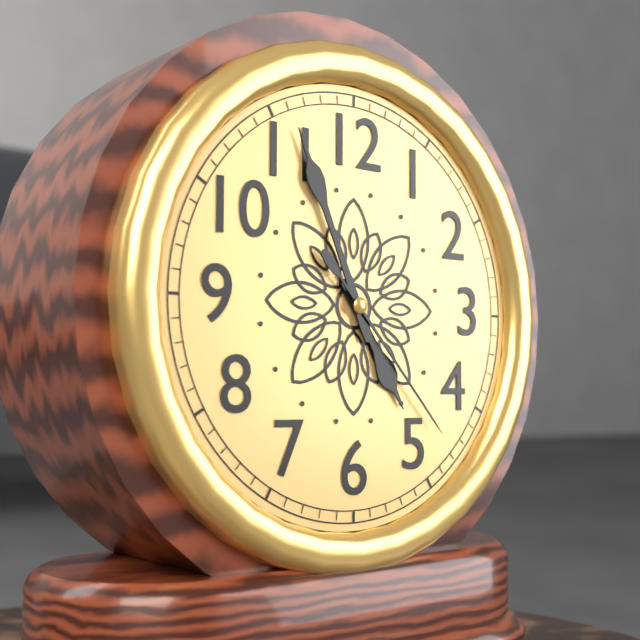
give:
4.56.23
